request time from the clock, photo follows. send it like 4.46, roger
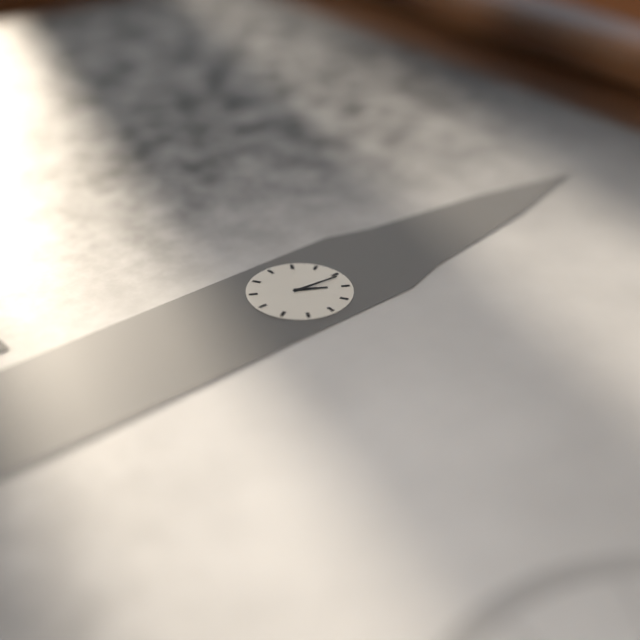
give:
1.01
